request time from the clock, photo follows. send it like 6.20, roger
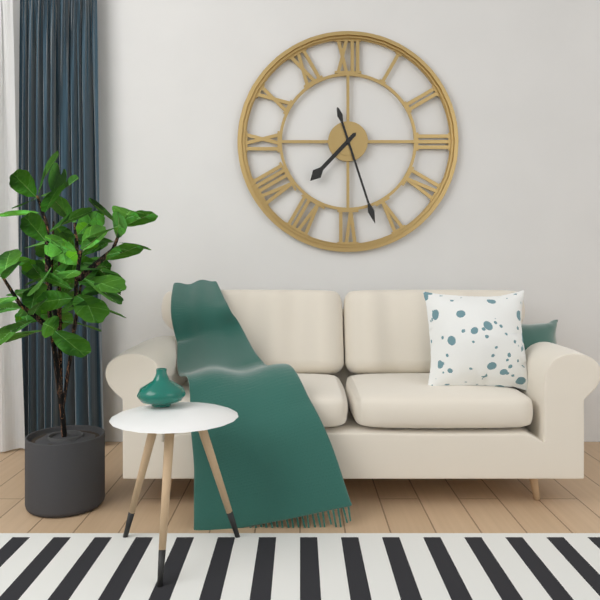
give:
7.27
